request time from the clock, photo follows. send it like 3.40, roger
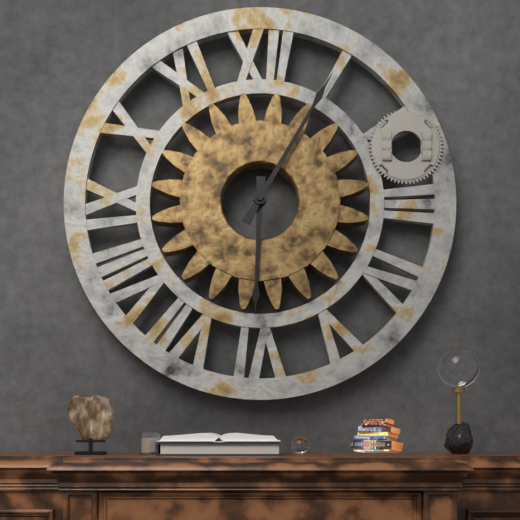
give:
6.05
